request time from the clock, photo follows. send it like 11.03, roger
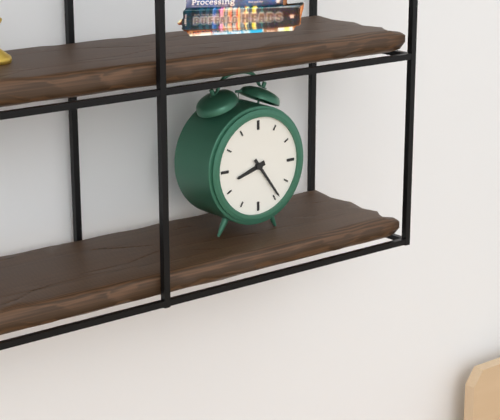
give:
8.24
